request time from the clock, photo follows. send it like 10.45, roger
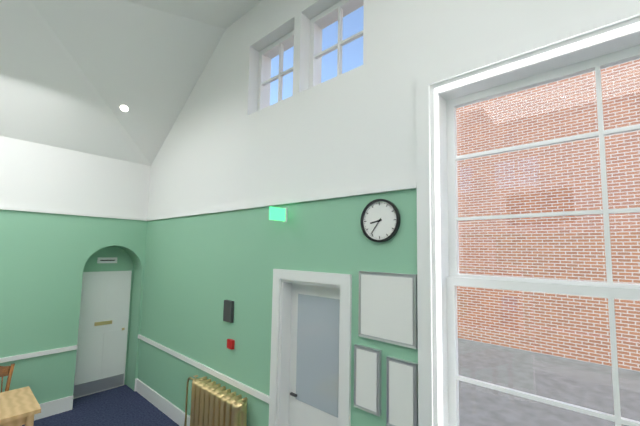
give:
8.36
